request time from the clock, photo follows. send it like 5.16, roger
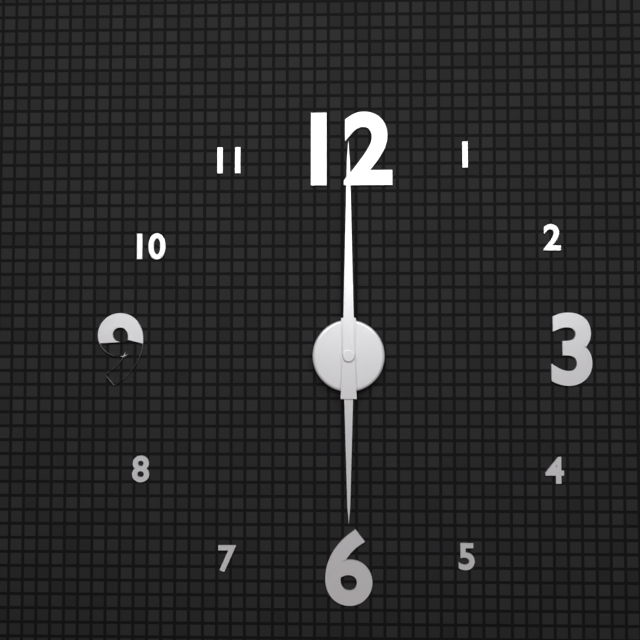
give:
6.00
